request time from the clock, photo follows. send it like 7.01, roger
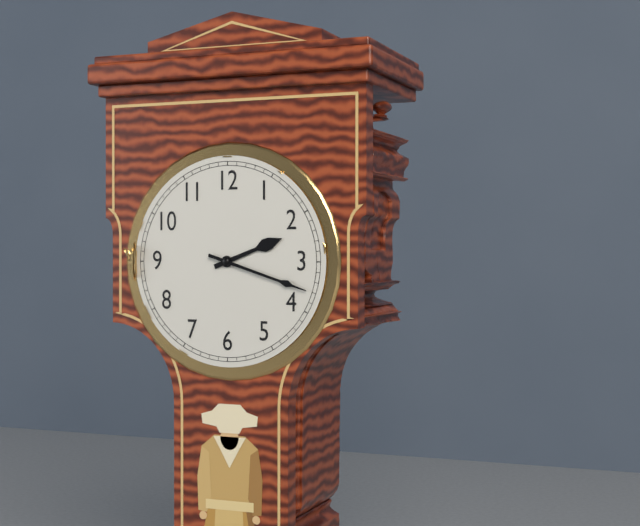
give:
2.18
